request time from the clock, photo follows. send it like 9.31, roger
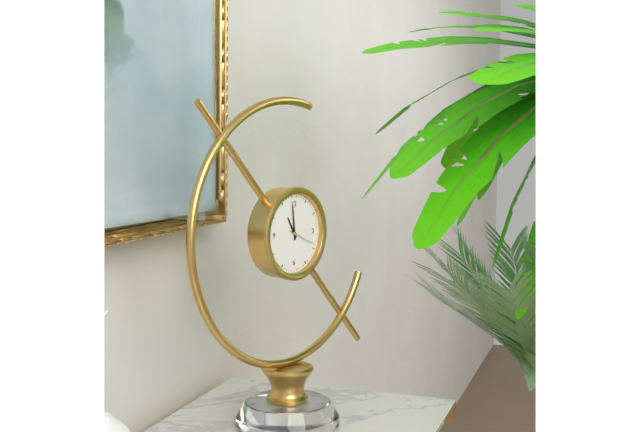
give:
10.59
